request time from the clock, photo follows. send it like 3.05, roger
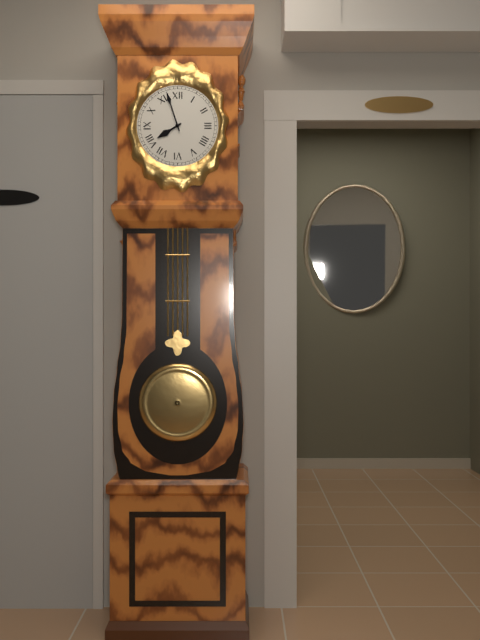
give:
7.57
